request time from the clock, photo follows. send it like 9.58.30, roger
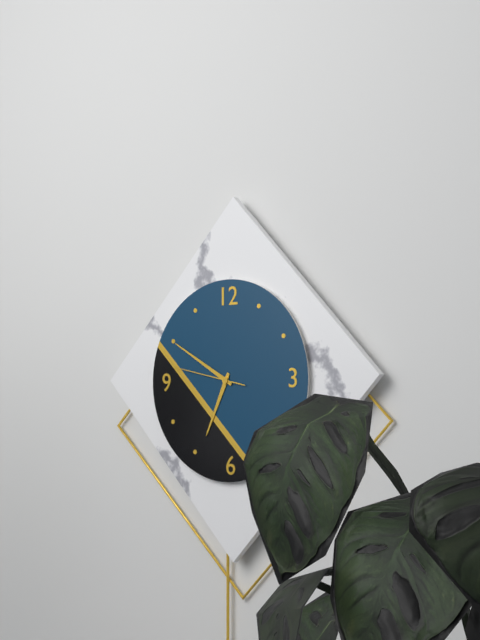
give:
6.50.47
